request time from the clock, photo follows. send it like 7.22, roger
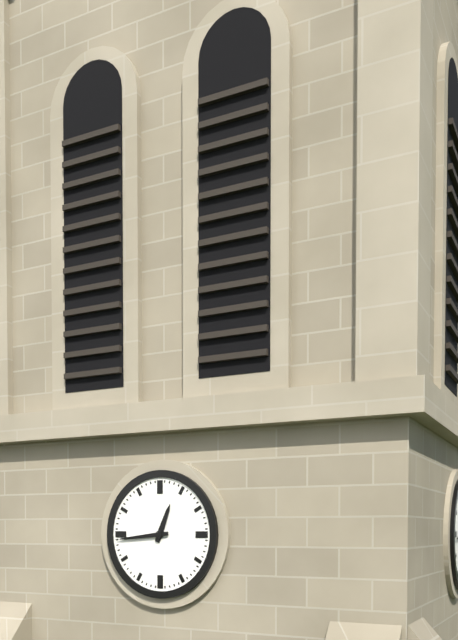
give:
12.44
